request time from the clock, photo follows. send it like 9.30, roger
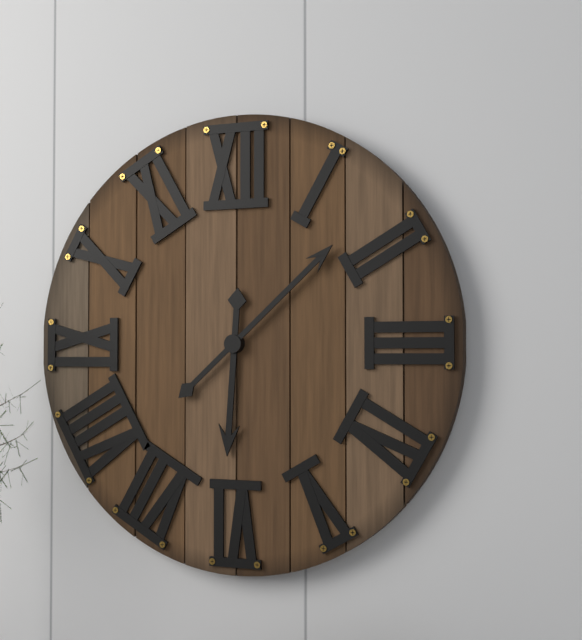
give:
6.08
